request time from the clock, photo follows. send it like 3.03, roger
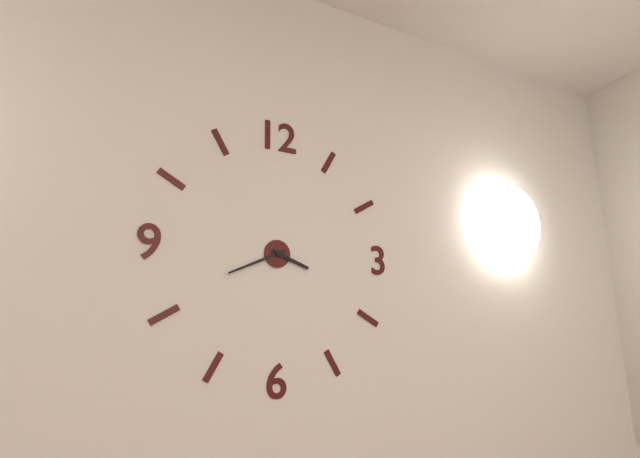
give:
3.41
